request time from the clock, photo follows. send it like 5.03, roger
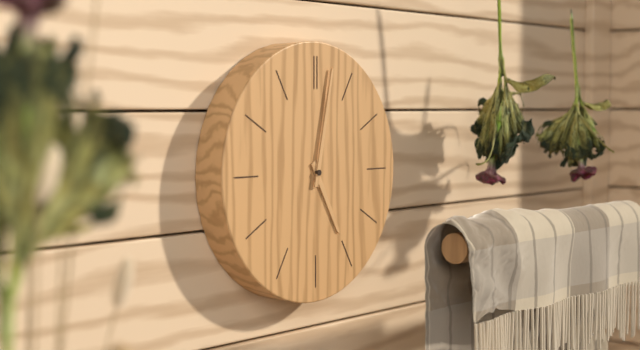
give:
5.02
